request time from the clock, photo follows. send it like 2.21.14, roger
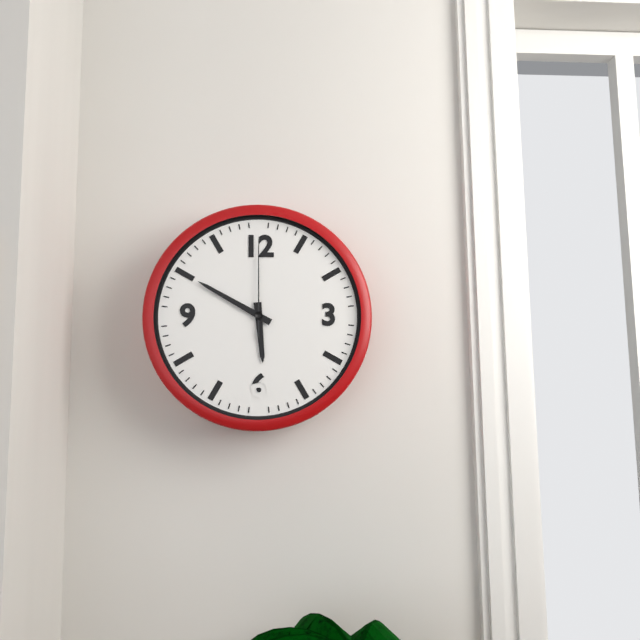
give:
5.50.00
